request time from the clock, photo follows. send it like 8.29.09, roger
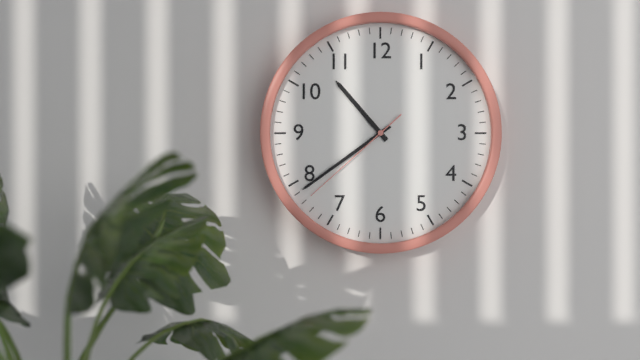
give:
10.39.38
